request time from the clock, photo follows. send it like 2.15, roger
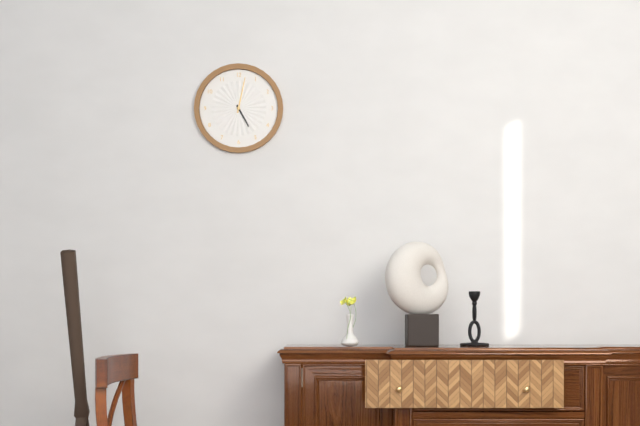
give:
5.02
